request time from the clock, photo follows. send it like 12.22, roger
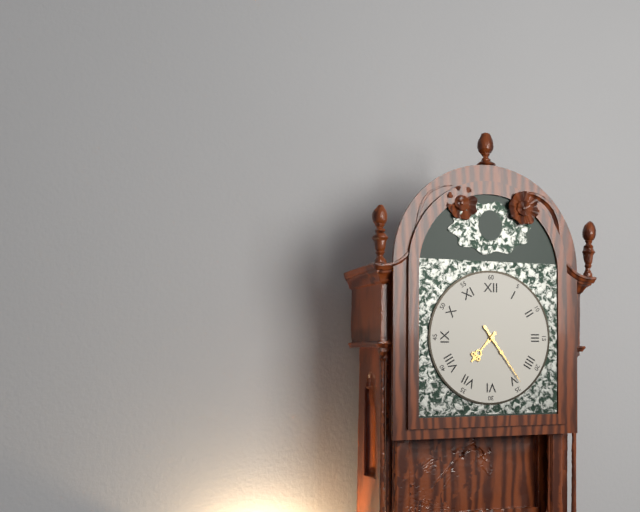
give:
7.24
